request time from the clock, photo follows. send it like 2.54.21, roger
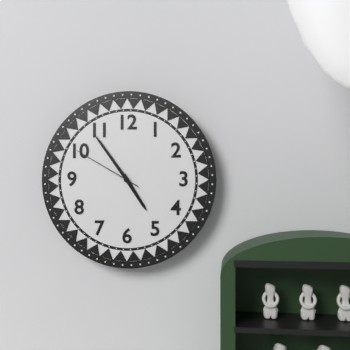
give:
4.54.50
